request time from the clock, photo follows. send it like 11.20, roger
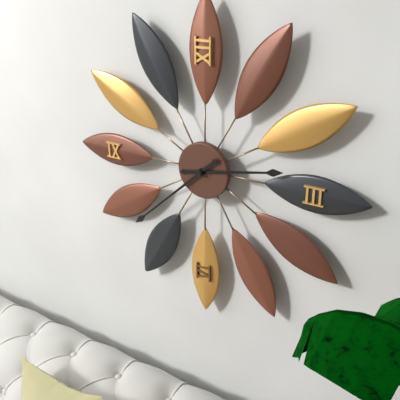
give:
2.38
